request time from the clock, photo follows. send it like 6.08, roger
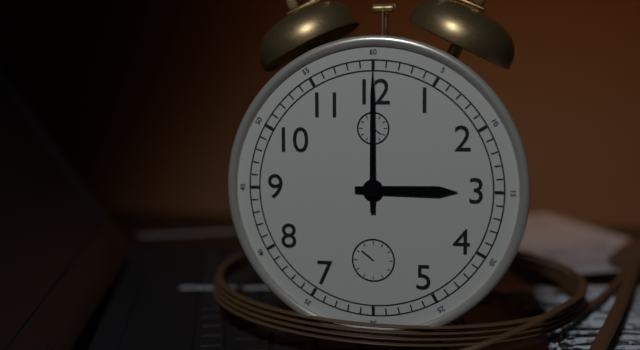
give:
3.00
